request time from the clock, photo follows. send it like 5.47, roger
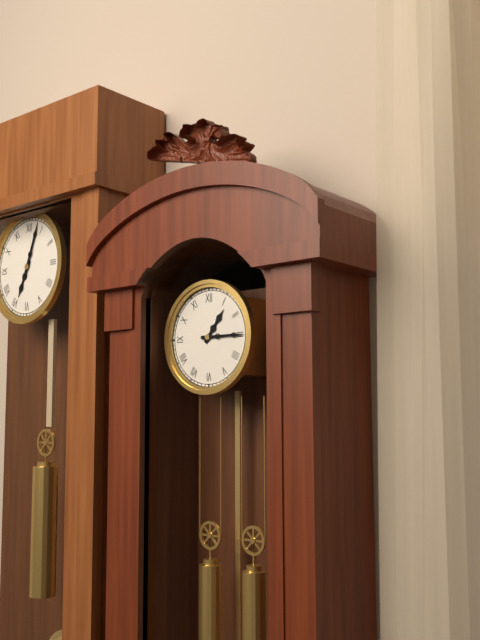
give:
1.15
